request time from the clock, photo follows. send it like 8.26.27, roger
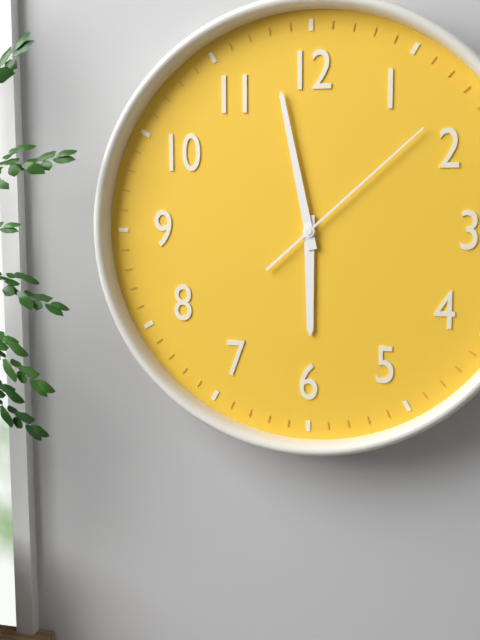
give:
5.58.08
